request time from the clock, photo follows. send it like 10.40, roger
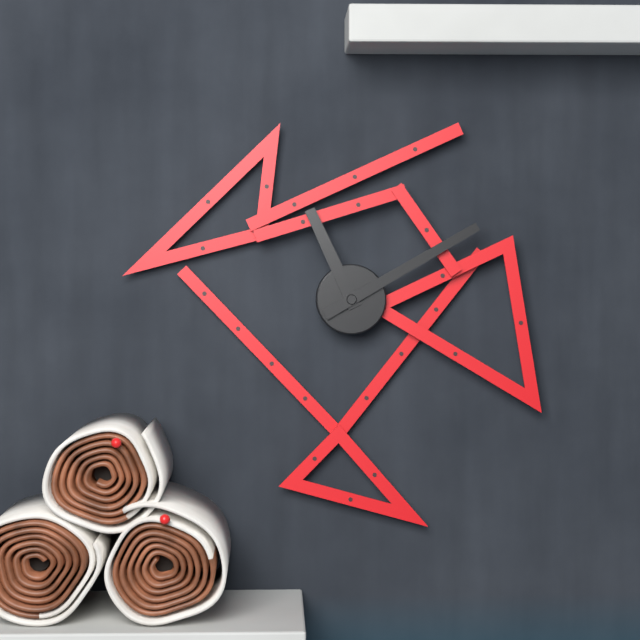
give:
11.10
